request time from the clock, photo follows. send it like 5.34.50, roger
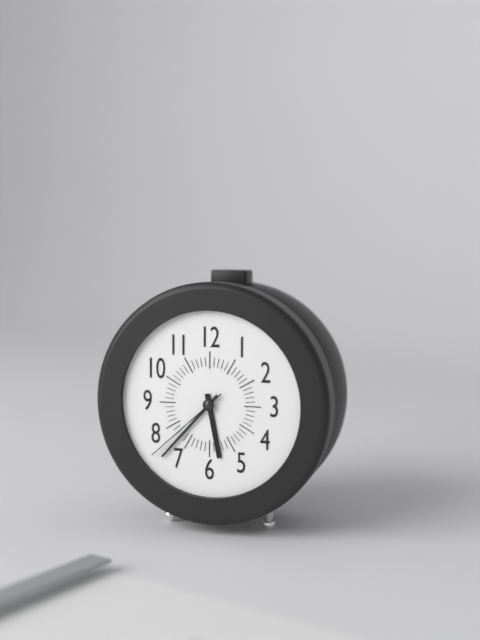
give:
5.37.38
